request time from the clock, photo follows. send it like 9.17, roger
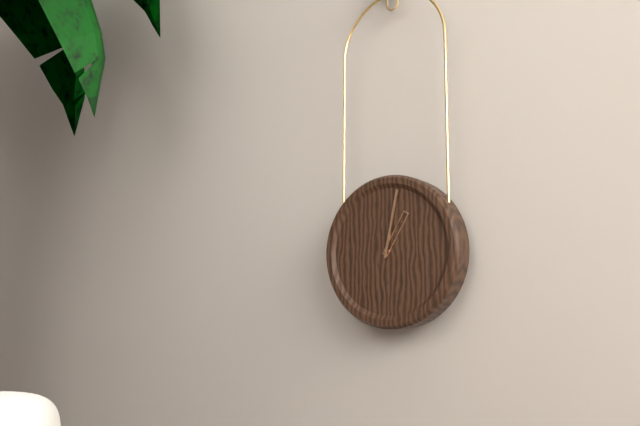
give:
1.02
